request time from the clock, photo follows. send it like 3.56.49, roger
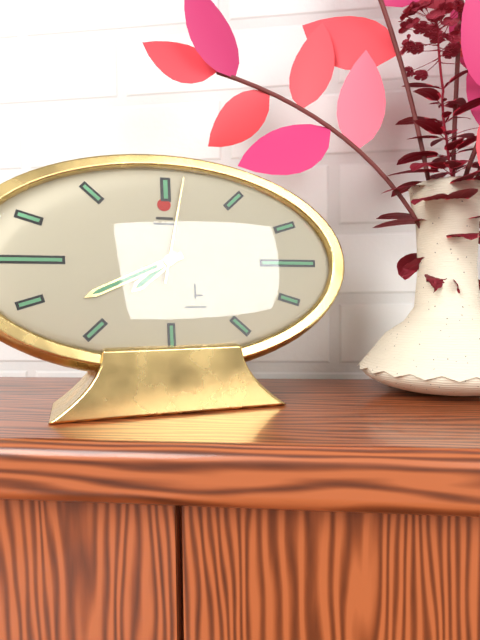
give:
7.41.02
